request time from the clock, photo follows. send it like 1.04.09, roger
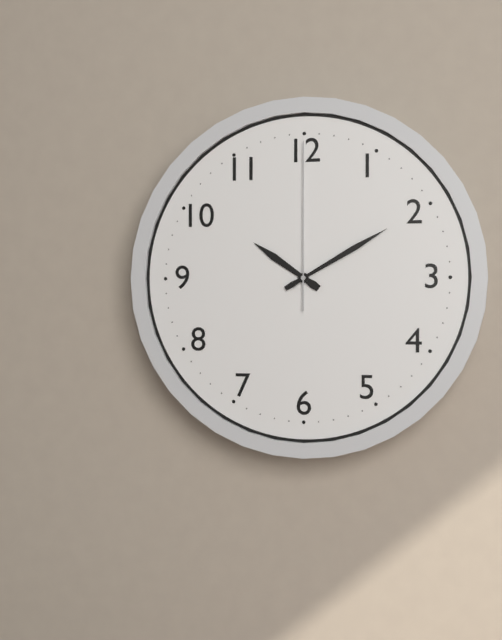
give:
10.10.00
